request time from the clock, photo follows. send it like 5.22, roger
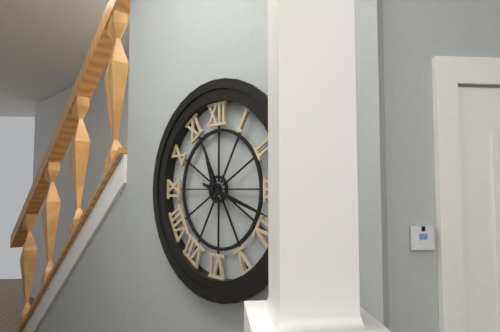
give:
11.18
